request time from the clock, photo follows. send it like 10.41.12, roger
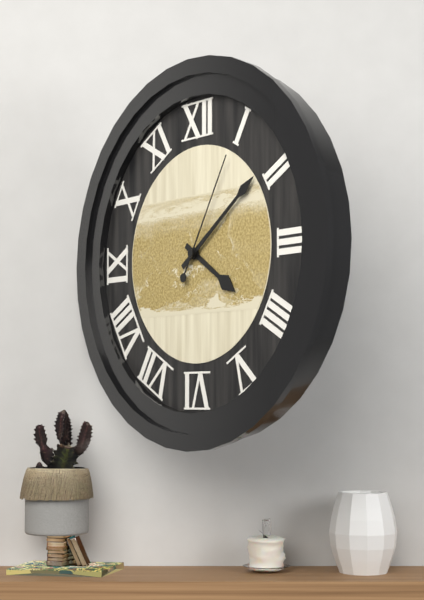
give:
4.09.05
